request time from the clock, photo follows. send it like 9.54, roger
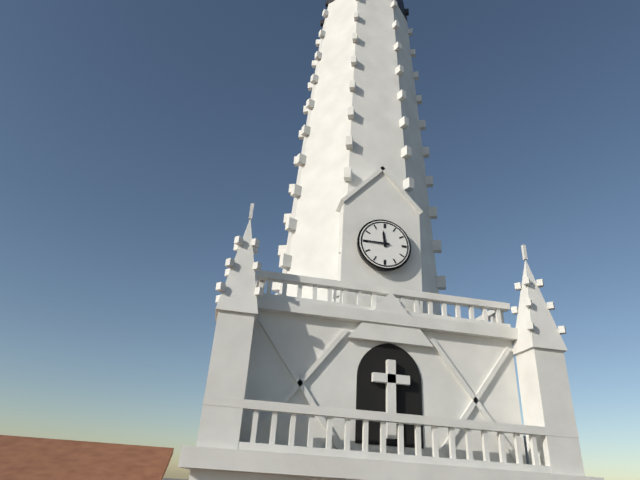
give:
11.45
